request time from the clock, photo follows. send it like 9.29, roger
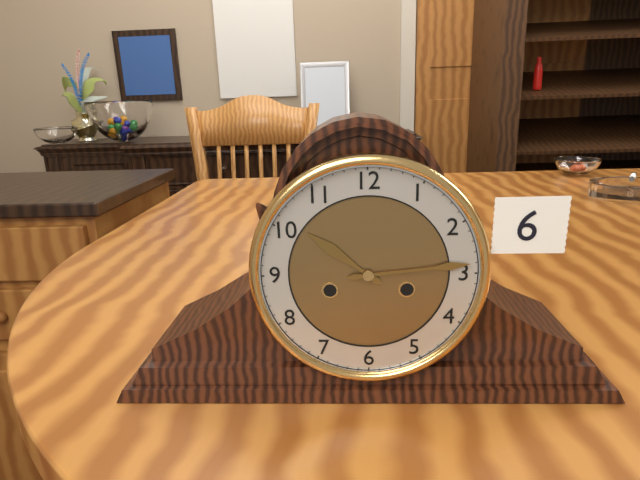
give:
10.14
